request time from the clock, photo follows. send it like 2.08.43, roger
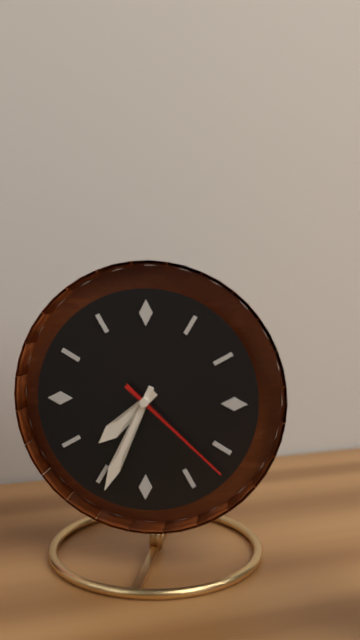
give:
7.34.22
